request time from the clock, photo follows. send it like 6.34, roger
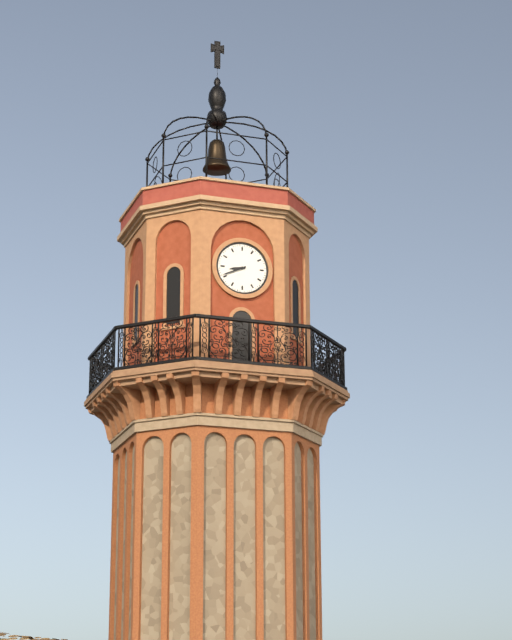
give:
8.41
